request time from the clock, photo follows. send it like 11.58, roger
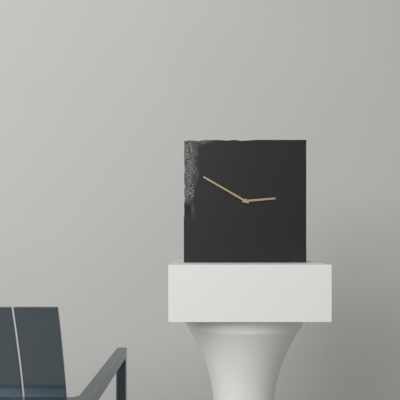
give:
2.50
